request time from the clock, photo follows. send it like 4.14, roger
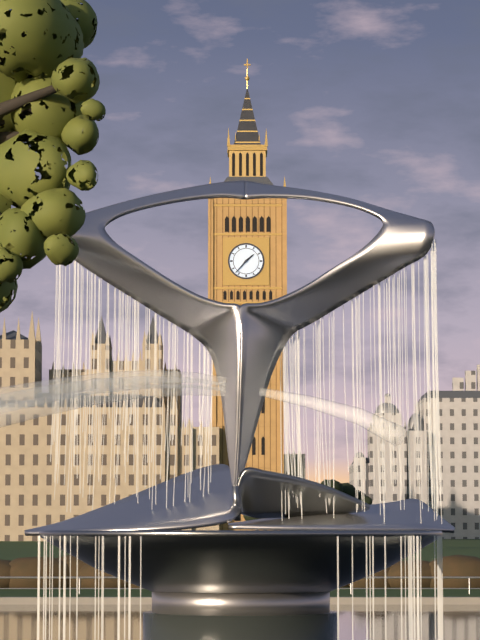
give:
1.37
